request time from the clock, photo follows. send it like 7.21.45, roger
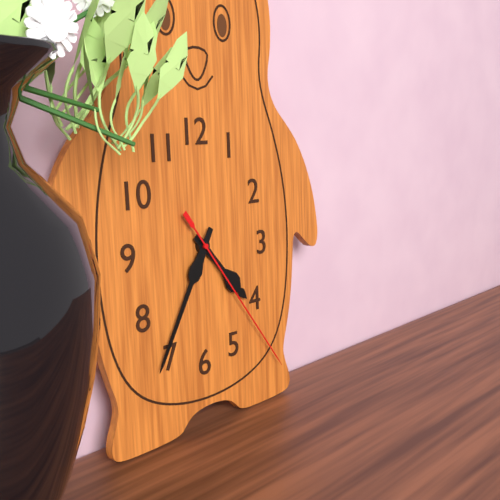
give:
4.35.24
